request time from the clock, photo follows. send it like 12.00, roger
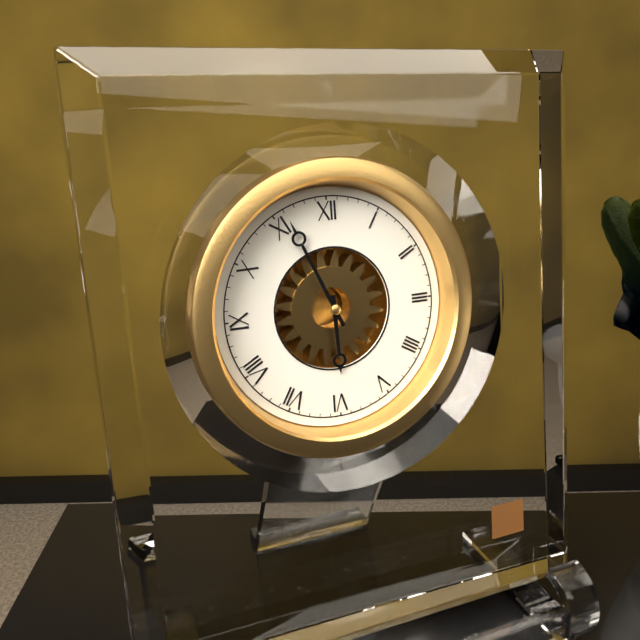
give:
5.56
